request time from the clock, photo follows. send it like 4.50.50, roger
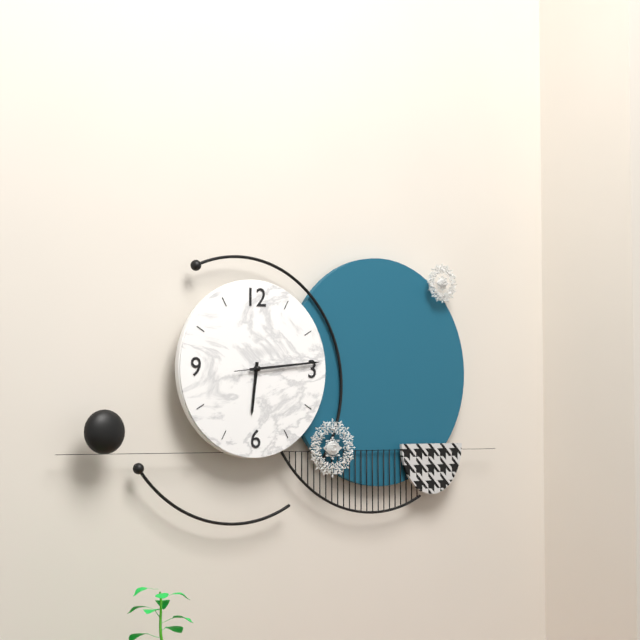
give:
6.14.14
